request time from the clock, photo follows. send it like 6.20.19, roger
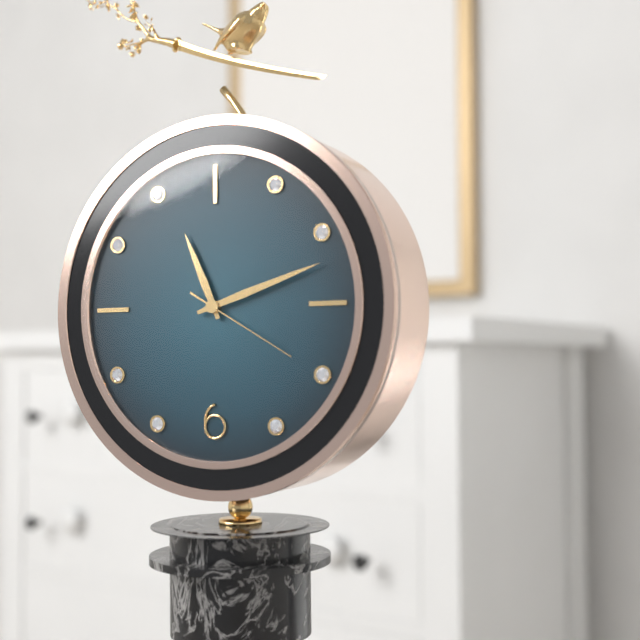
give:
11.12.20
